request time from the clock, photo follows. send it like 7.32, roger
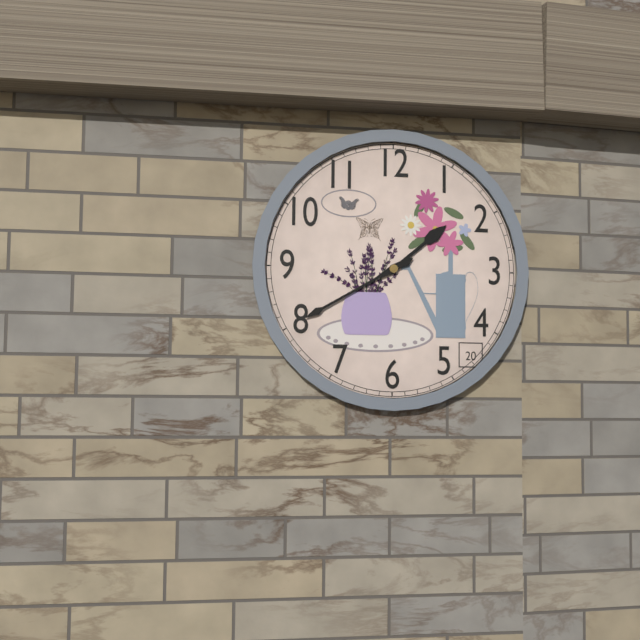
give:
1.40
